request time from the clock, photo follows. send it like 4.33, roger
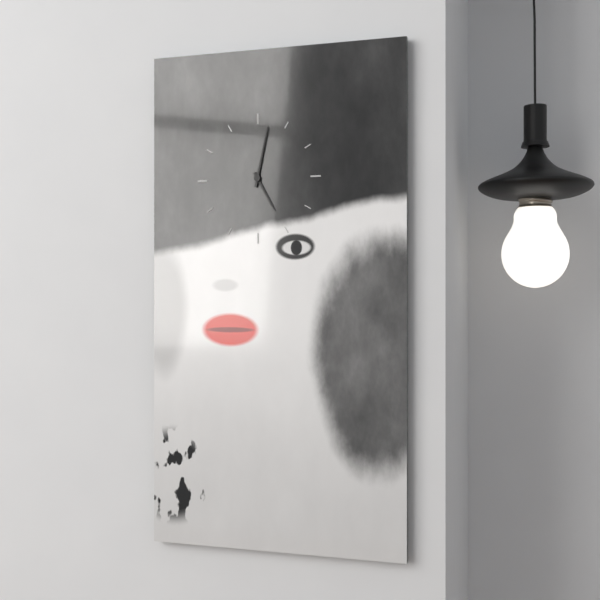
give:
5.02
